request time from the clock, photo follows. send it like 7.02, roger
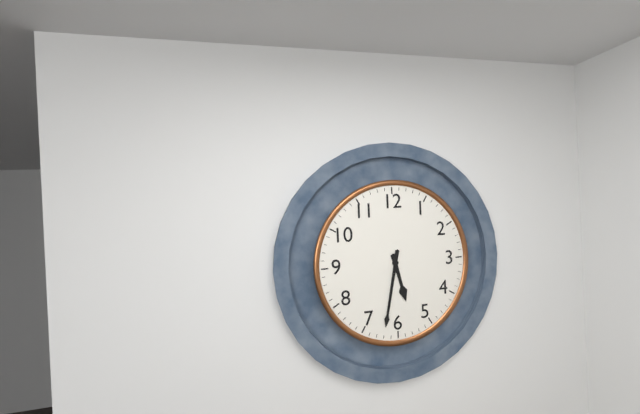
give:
5.32
